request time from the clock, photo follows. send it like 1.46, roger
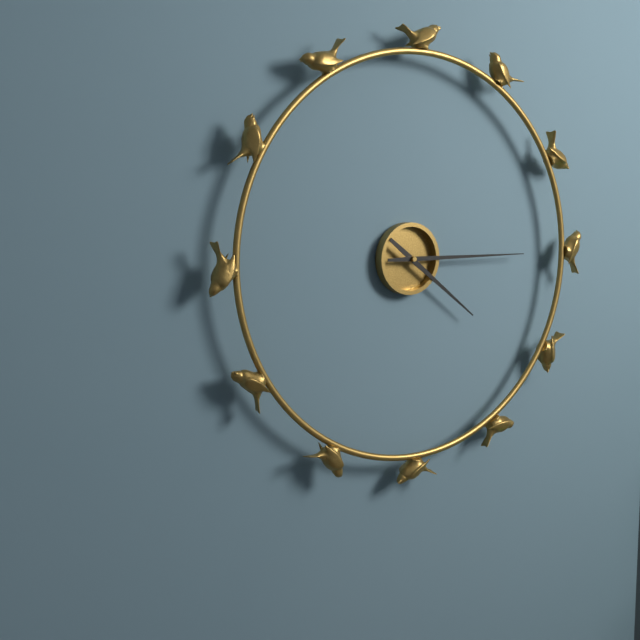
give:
4.15
